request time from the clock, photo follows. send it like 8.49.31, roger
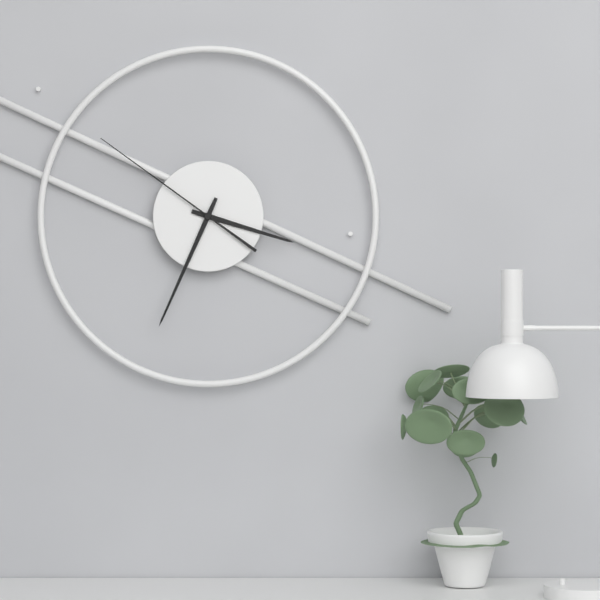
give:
3.34.51
